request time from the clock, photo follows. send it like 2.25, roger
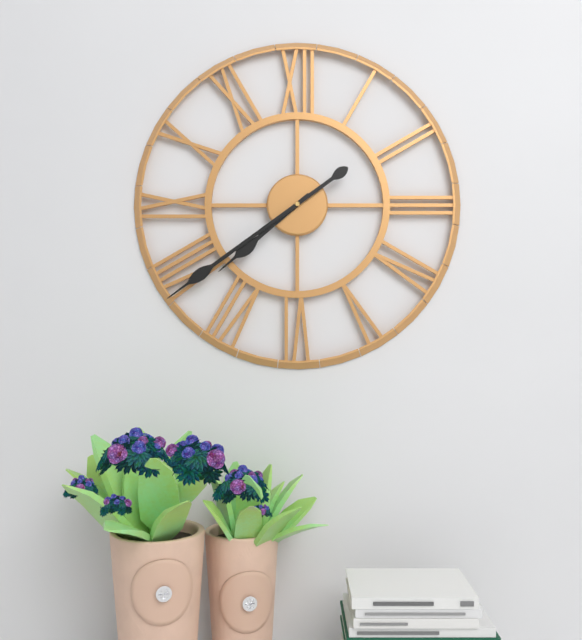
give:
7.39
